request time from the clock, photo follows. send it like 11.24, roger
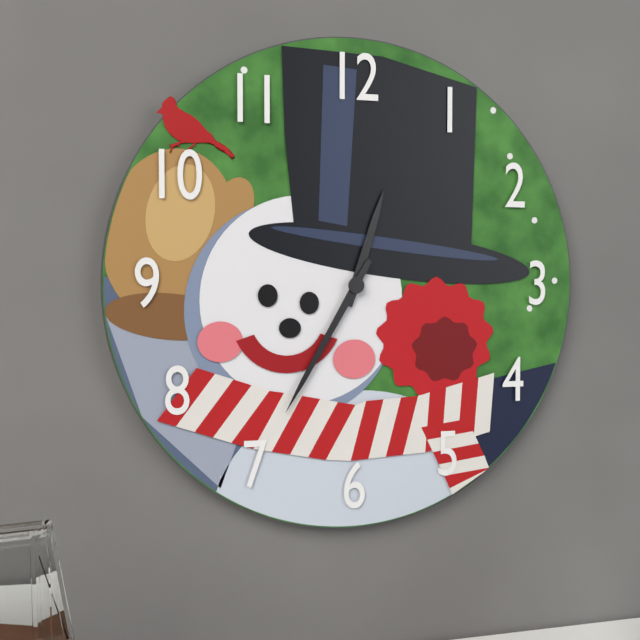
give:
12.35
